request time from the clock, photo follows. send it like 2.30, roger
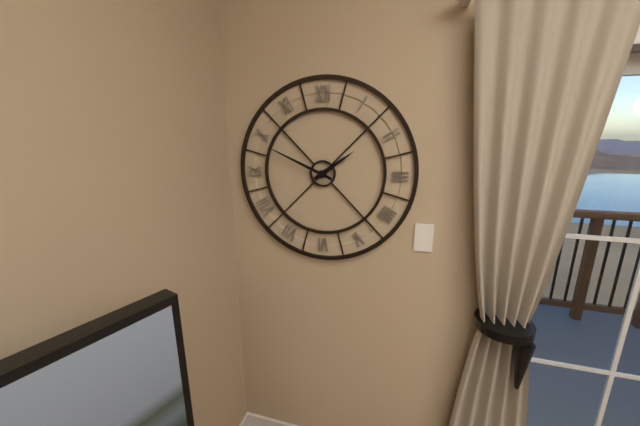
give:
1.49
